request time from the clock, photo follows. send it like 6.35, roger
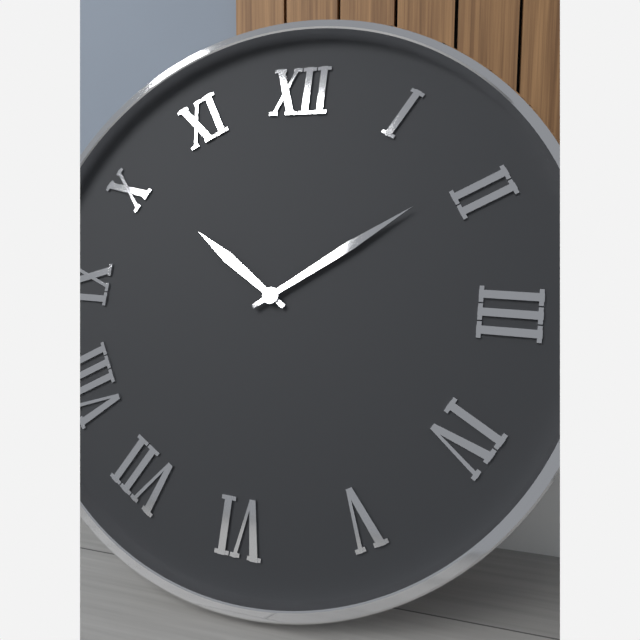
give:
10.09
